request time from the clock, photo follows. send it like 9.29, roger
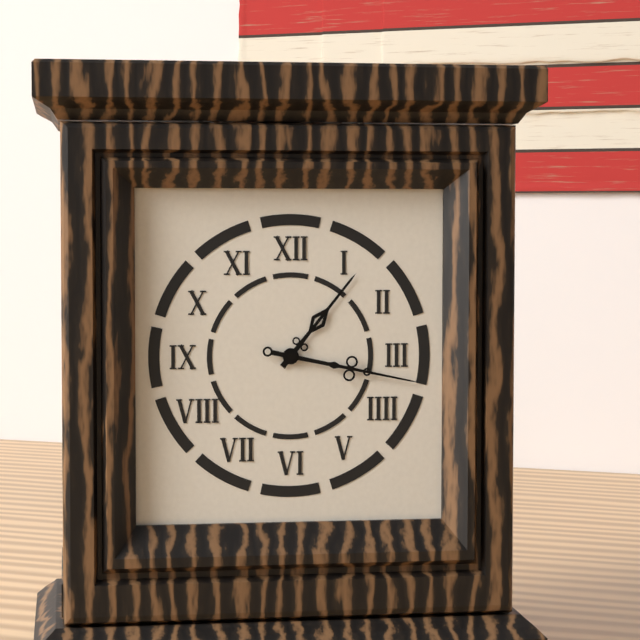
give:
1.17
